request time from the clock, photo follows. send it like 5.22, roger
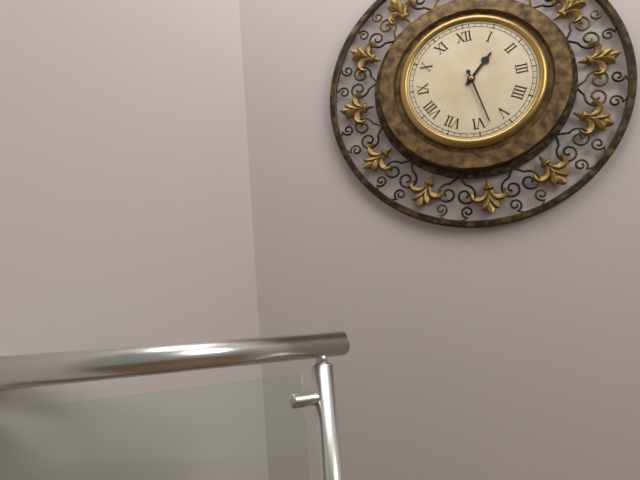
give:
1.28
